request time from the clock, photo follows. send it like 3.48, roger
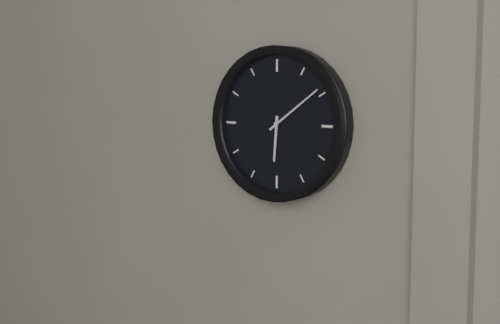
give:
6.09
